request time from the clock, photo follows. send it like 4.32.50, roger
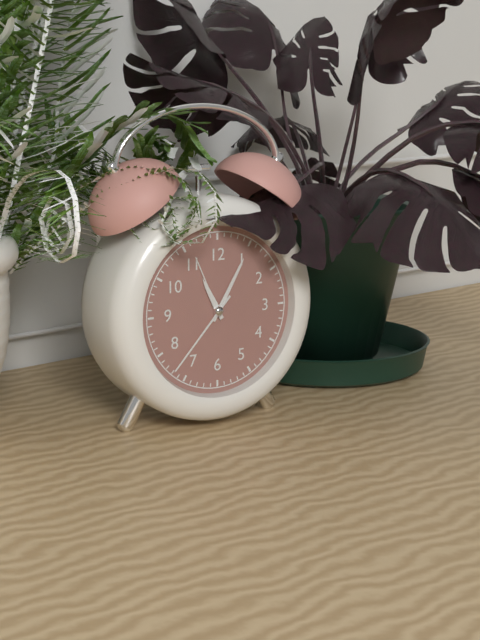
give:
11.05.37
